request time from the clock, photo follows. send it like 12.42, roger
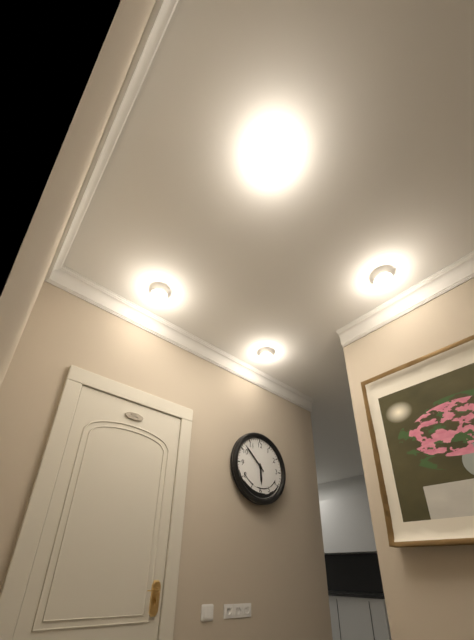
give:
5.52
